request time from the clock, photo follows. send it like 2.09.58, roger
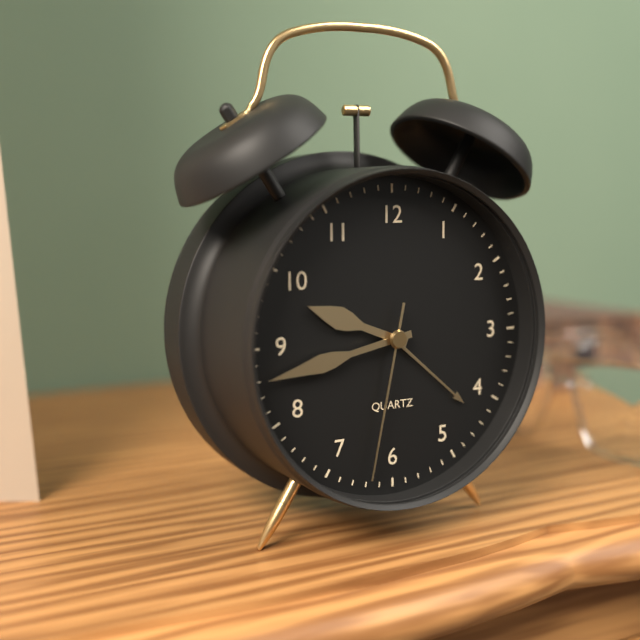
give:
9.43.32
